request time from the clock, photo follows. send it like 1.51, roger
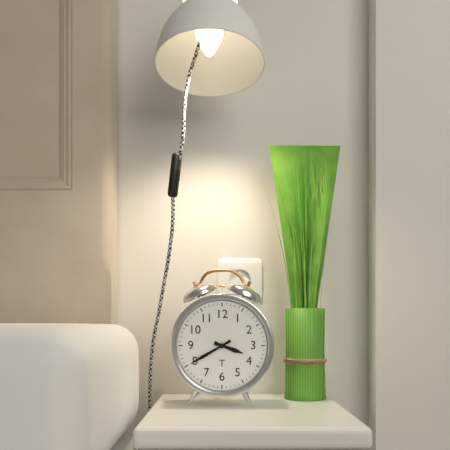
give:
3.40
